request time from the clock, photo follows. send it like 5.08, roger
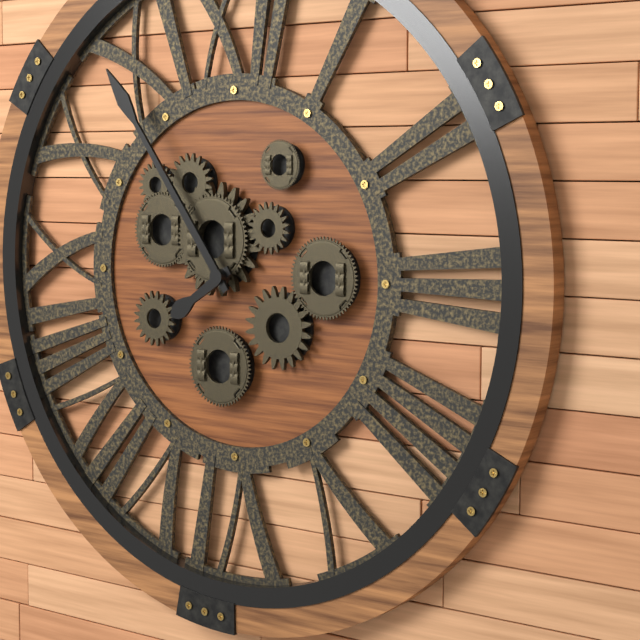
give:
7.54
